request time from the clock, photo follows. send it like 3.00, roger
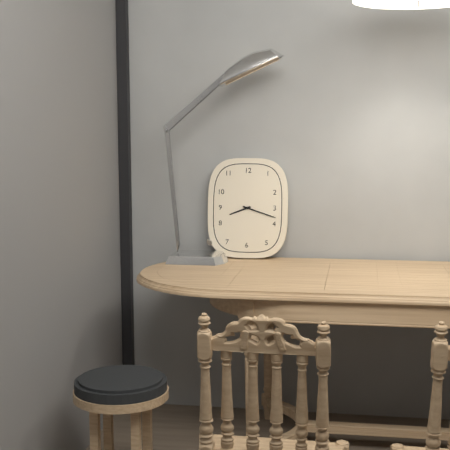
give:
8.18
